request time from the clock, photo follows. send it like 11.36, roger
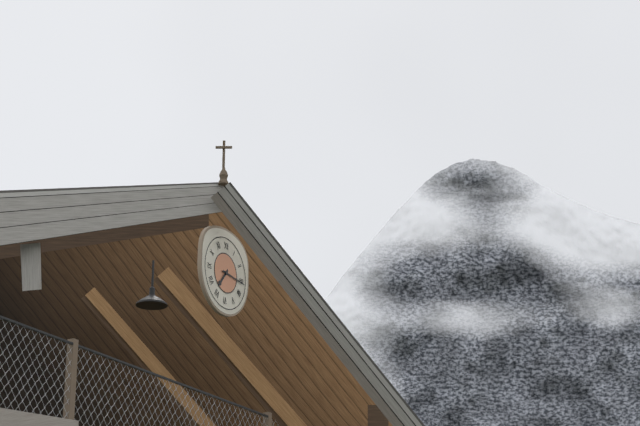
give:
7.16
